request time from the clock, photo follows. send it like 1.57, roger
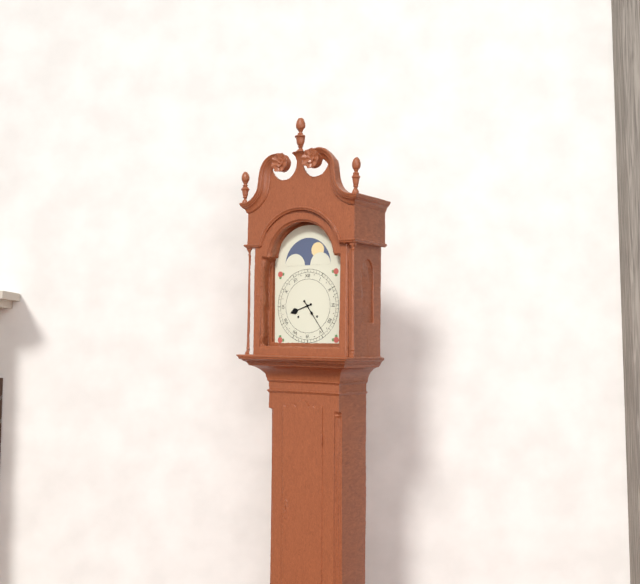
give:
8.24
